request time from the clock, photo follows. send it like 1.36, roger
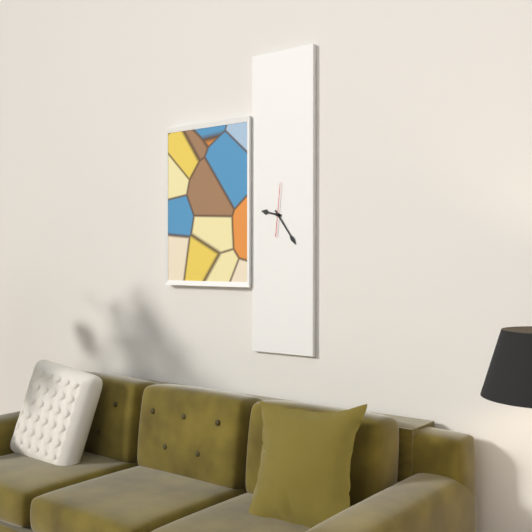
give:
9.24
